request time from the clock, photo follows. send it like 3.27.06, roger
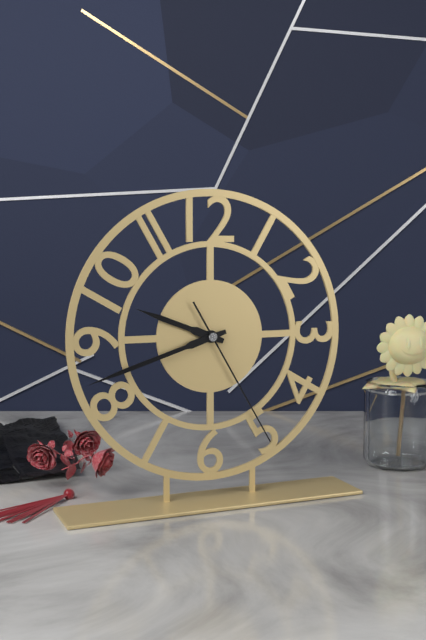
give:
9.42.25
